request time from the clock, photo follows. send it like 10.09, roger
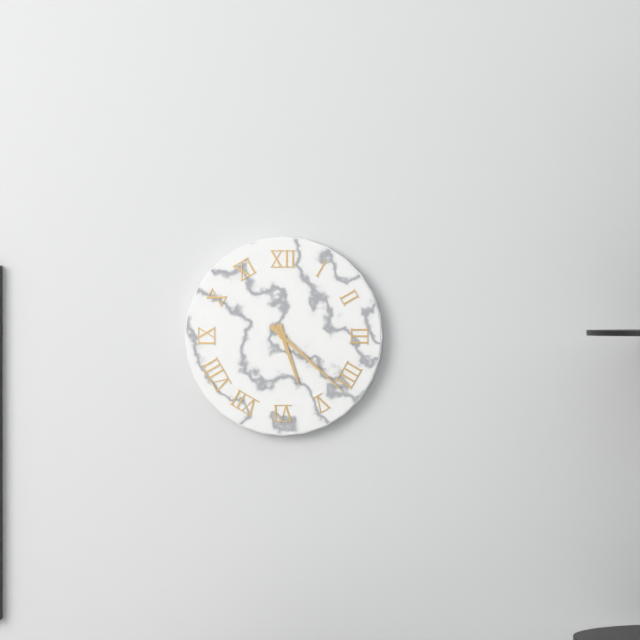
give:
5.22
